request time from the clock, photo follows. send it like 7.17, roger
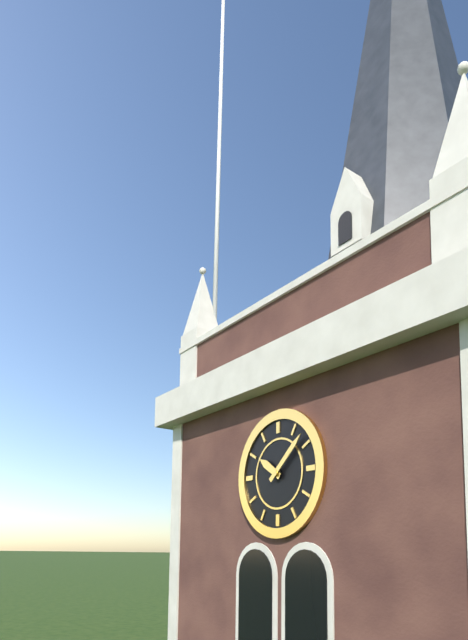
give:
10.08
